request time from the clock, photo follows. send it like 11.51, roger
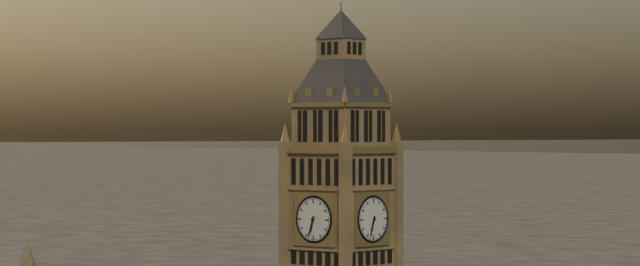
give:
6.33
